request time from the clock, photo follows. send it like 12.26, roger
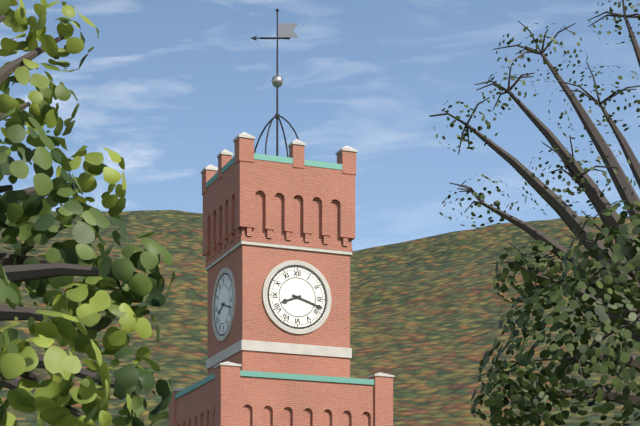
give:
8.18
